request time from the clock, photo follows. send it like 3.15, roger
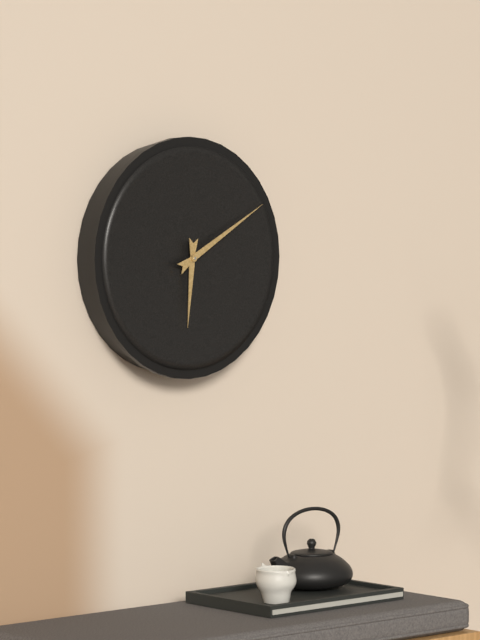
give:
6.10
